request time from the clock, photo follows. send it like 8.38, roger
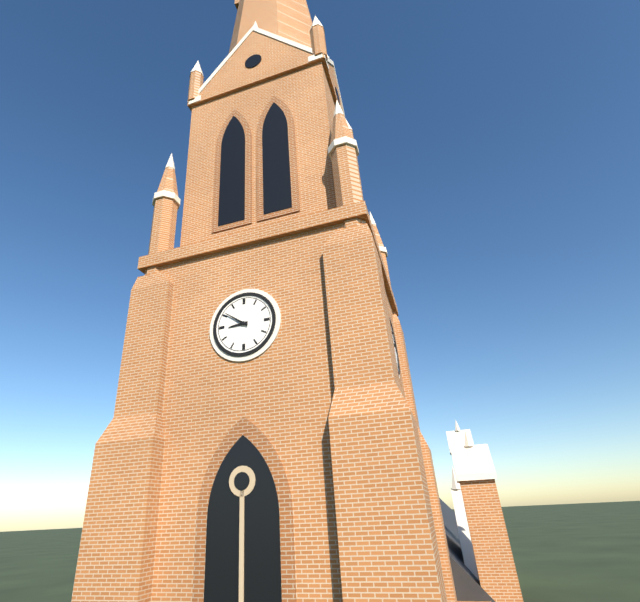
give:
8.51
